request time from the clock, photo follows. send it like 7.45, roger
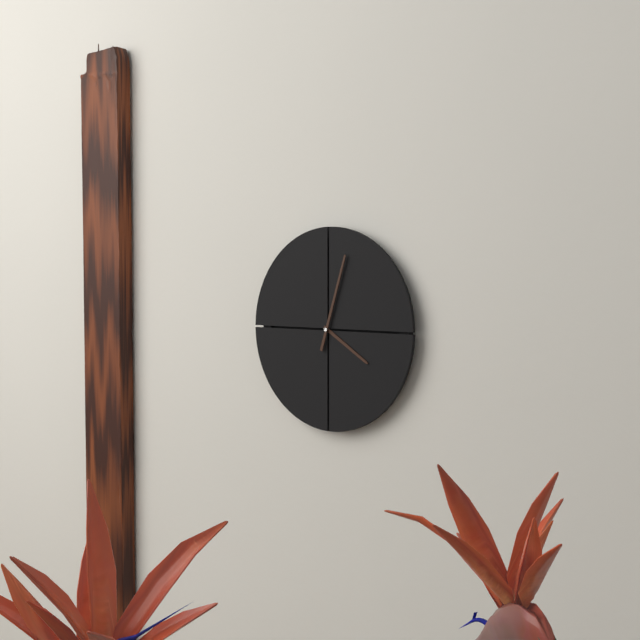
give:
4.03
